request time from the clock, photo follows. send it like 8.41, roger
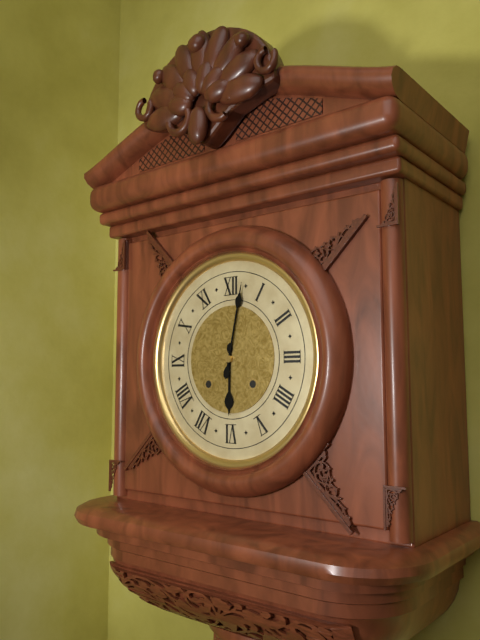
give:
6.02
